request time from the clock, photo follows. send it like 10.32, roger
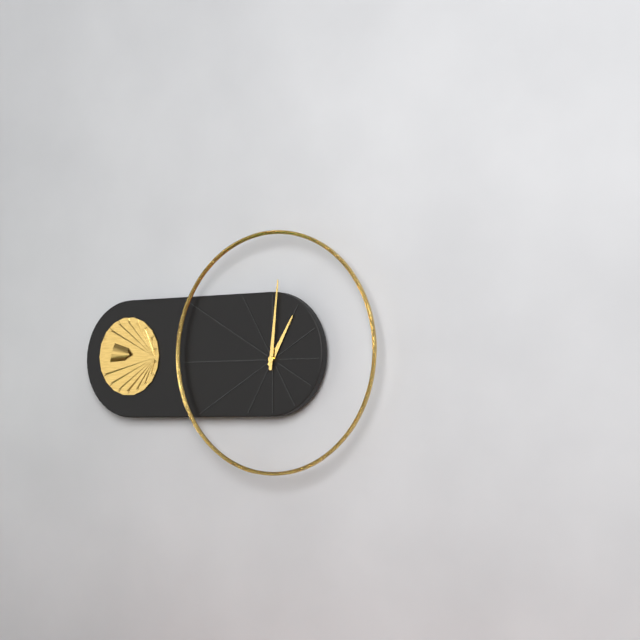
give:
1.01
